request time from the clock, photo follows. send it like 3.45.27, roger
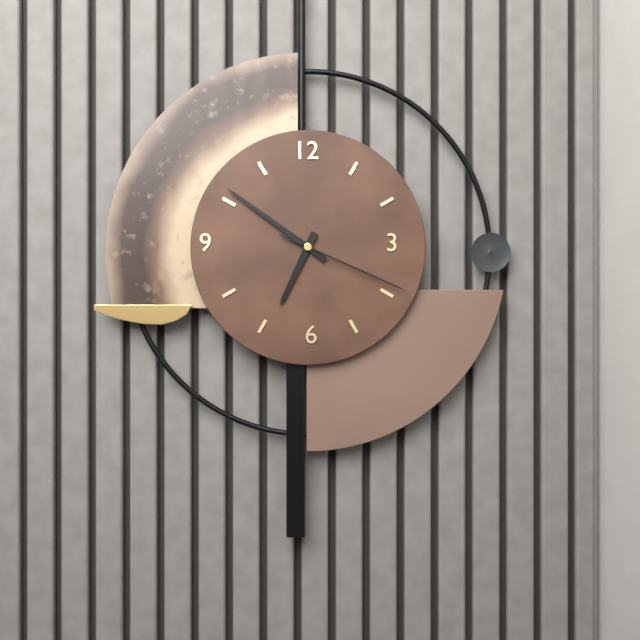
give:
6.51.19
